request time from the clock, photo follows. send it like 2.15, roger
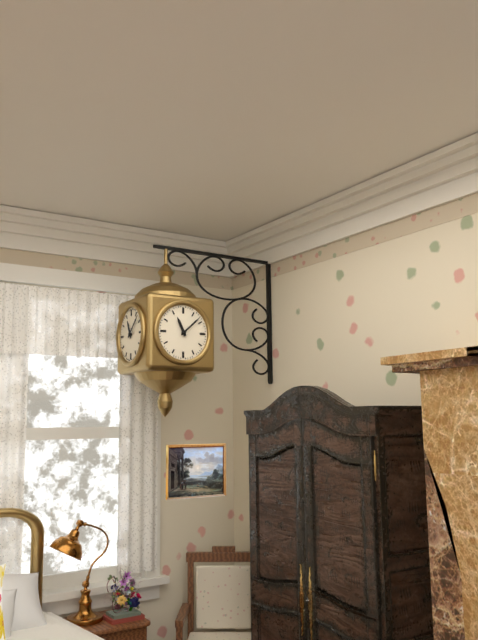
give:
11.08
